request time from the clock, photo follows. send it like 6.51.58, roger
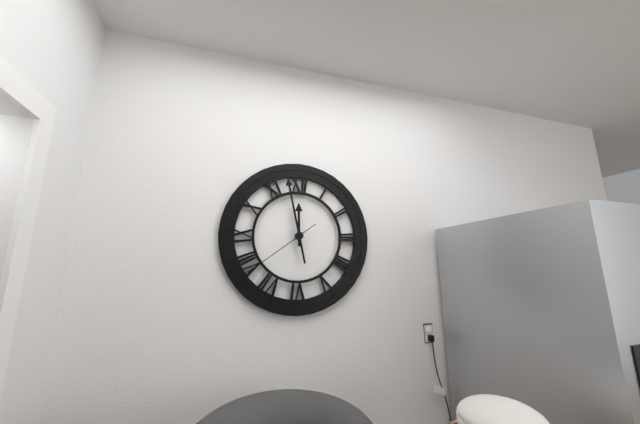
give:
11.58.39
